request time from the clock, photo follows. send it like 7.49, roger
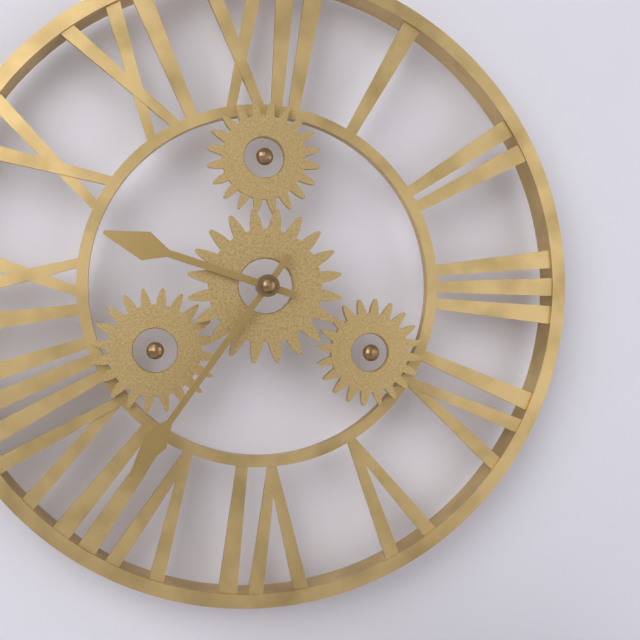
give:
9.36
